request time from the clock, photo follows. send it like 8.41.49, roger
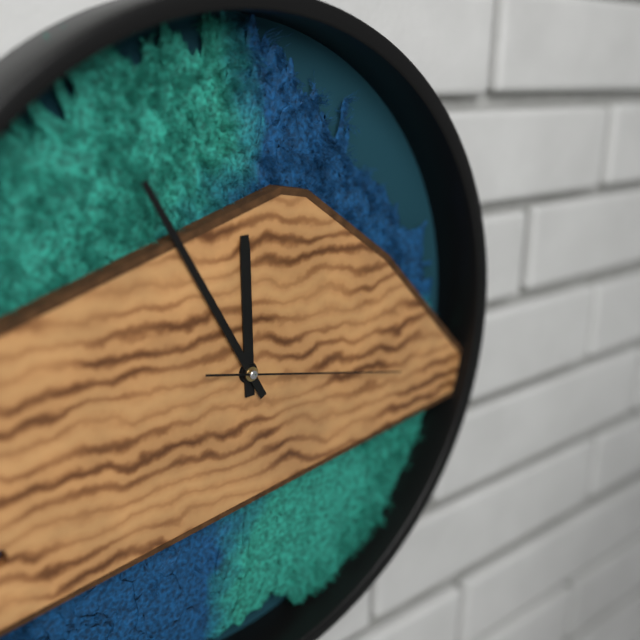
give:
11.55.17
